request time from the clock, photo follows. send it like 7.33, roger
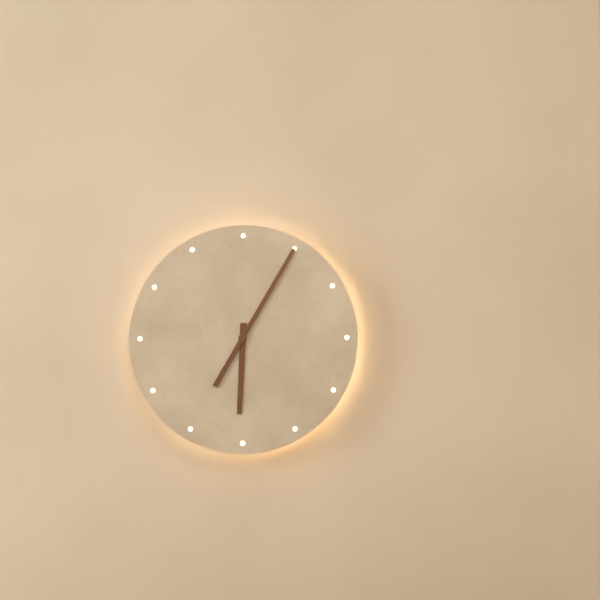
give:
6.05
